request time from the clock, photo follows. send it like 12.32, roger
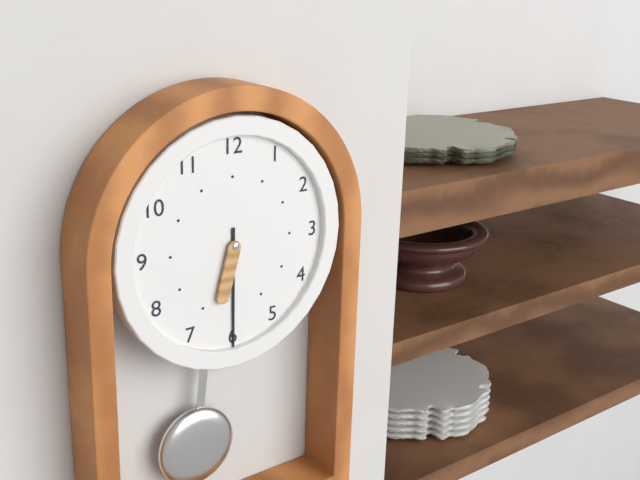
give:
6.30
